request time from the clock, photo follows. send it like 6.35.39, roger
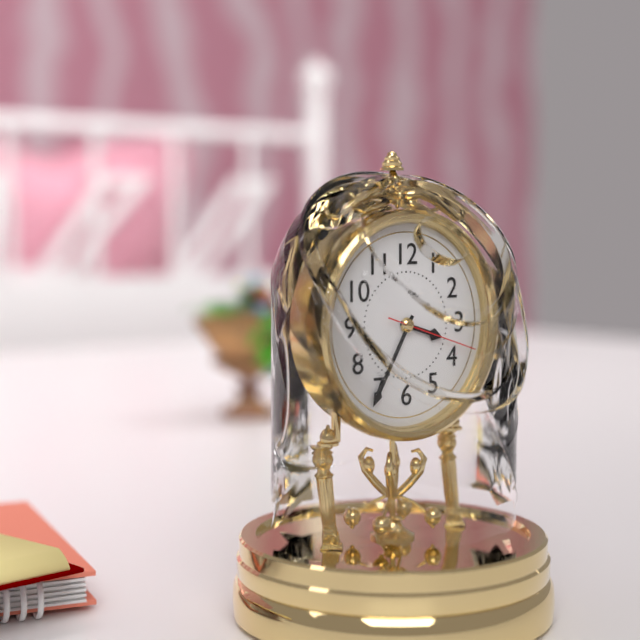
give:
3.35.18
